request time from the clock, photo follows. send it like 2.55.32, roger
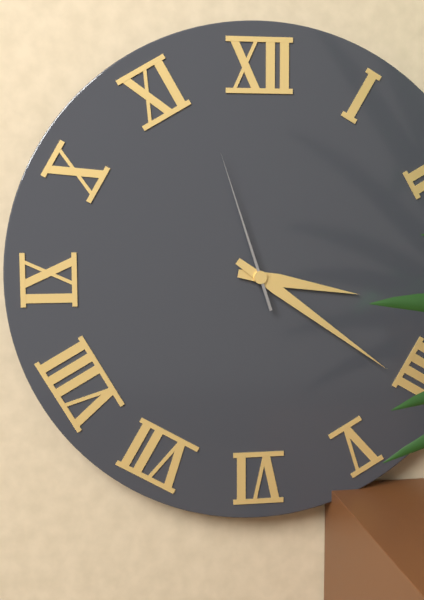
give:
3.21.57
